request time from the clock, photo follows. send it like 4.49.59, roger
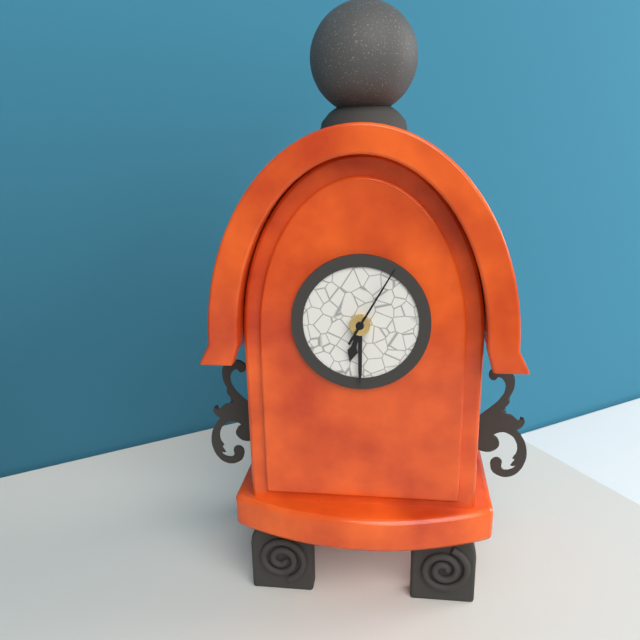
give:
6.30.05
